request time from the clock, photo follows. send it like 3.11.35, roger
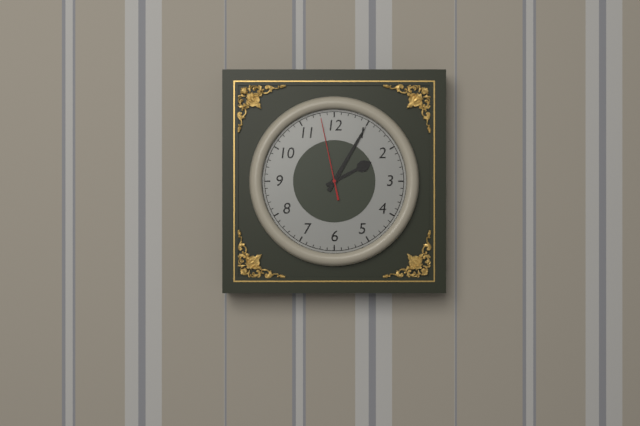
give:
2.05.58
